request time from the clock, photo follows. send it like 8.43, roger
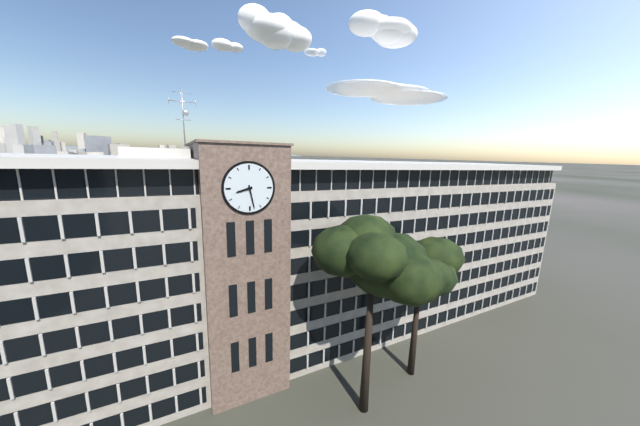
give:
8.28
